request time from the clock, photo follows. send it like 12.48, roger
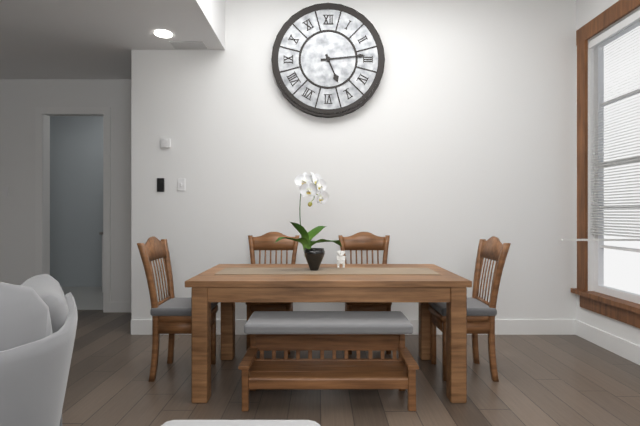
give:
5.14
